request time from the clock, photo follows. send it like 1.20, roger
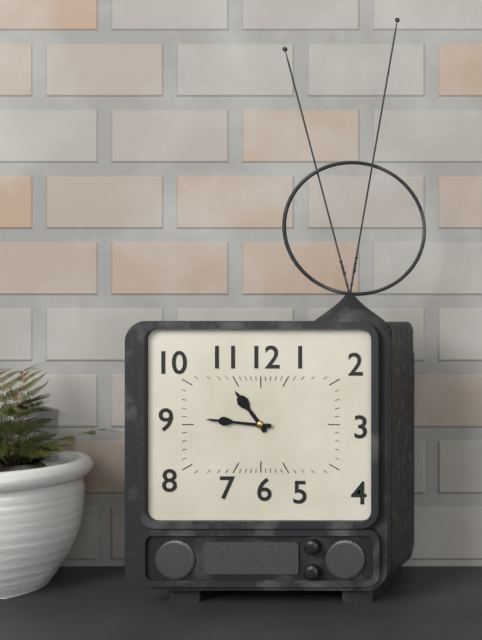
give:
10.46
